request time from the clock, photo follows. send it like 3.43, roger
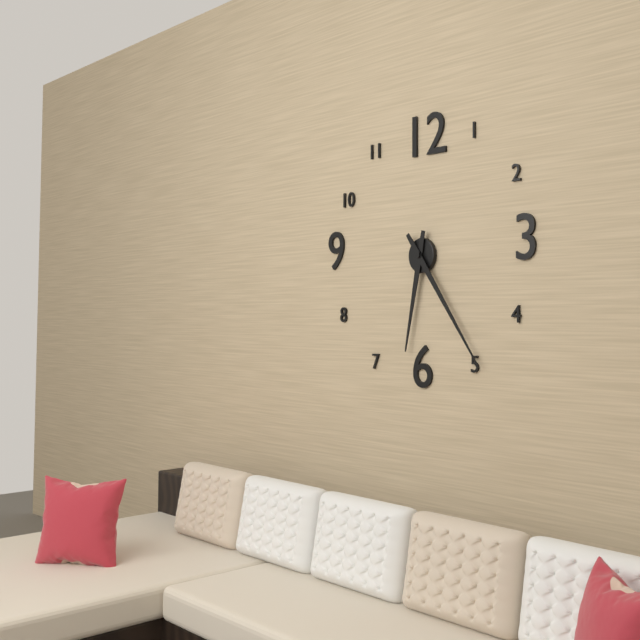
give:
6.24
